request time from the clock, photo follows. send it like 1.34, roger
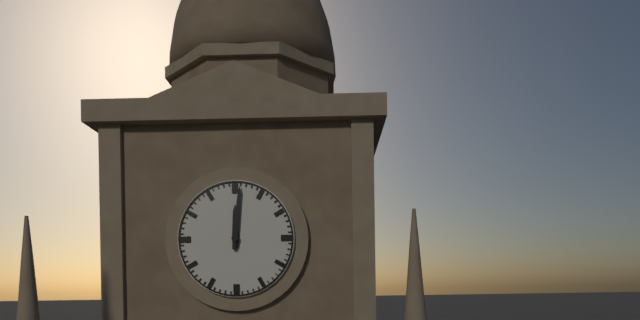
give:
12.01
